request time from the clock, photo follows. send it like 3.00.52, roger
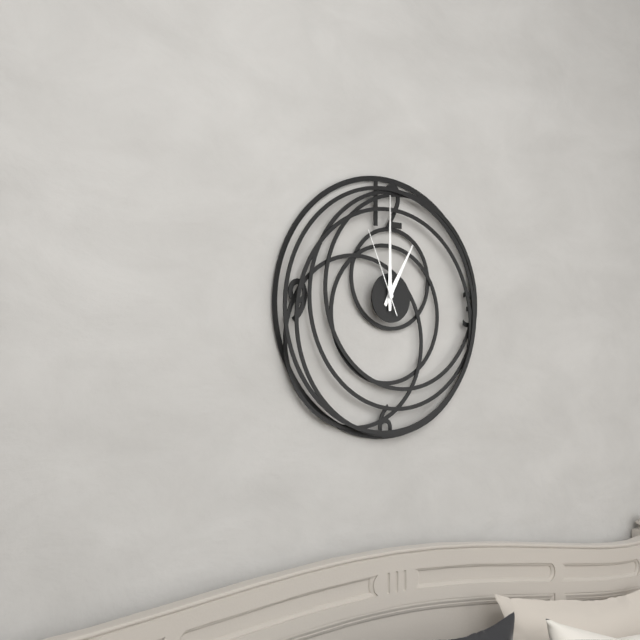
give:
1.00.56
